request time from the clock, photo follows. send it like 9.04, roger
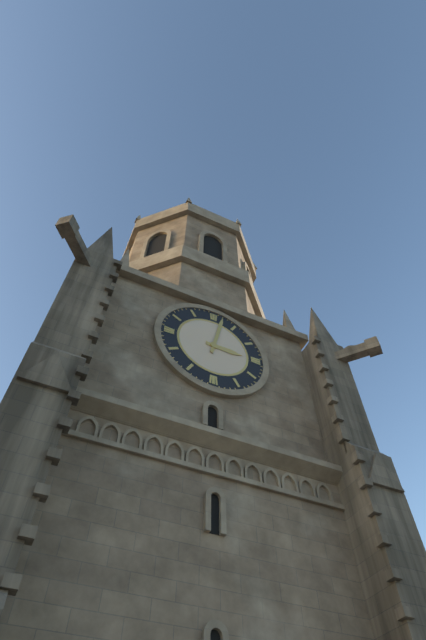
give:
3.02
